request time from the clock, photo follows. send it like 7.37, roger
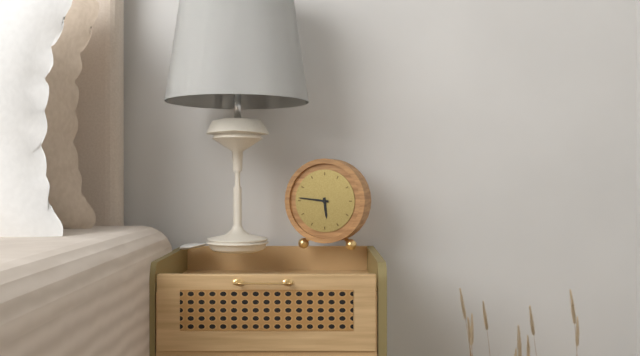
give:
5.46
